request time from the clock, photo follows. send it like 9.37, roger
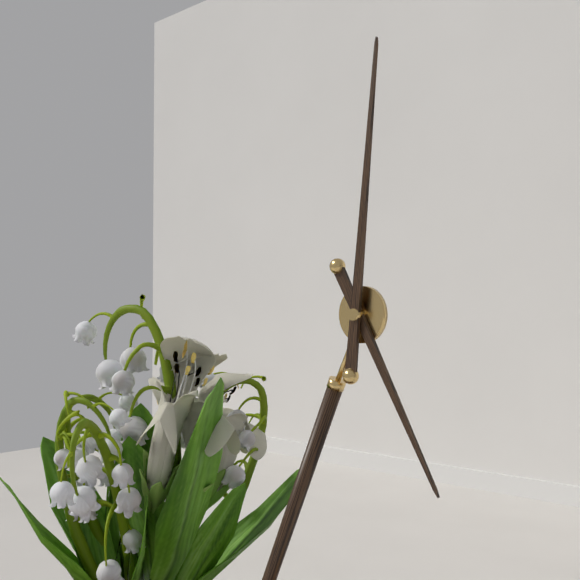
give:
5.01
